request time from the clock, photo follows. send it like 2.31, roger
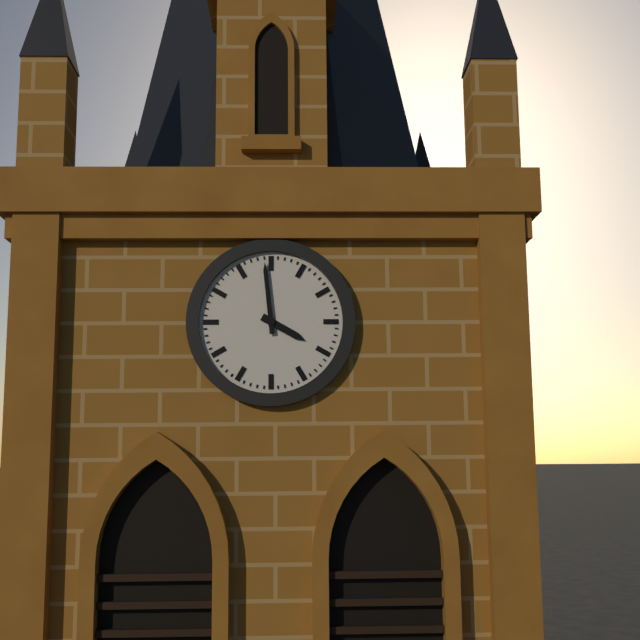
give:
3.59
